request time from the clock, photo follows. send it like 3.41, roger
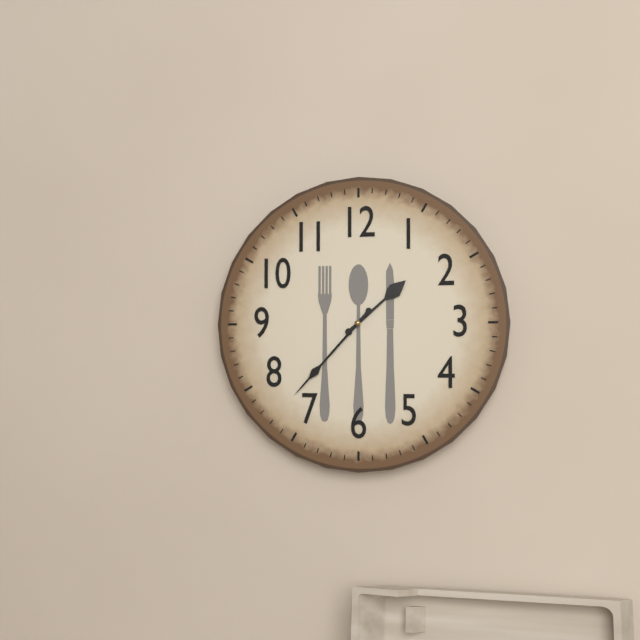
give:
1.37
